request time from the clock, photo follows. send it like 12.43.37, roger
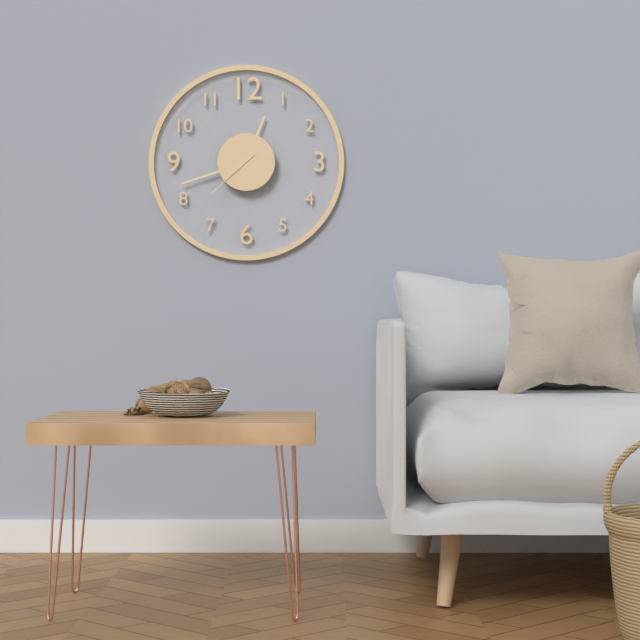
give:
12.42.38
